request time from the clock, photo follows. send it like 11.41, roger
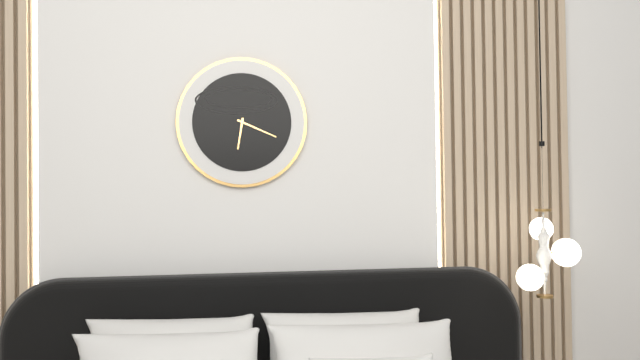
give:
6.19
